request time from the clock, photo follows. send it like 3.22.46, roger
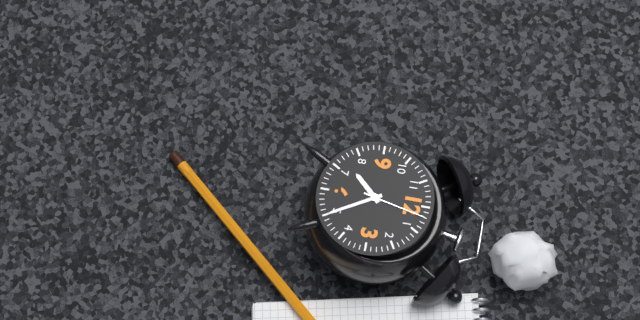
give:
7.25.02
